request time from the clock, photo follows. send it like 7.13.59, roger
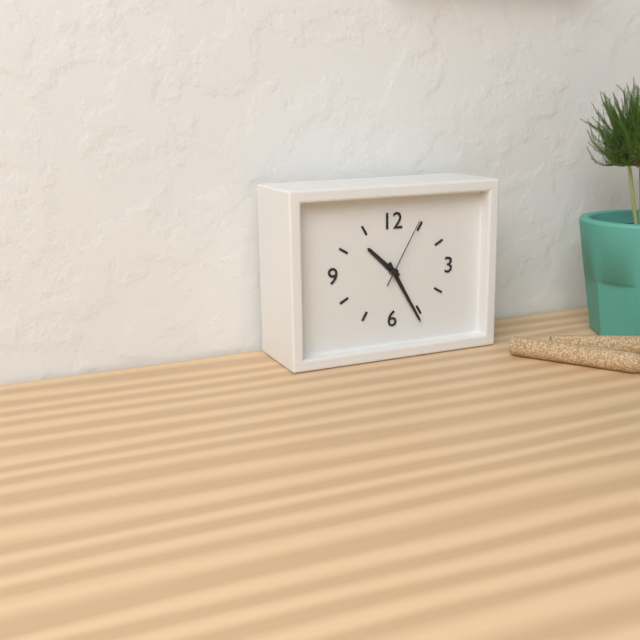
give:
10.25.05
